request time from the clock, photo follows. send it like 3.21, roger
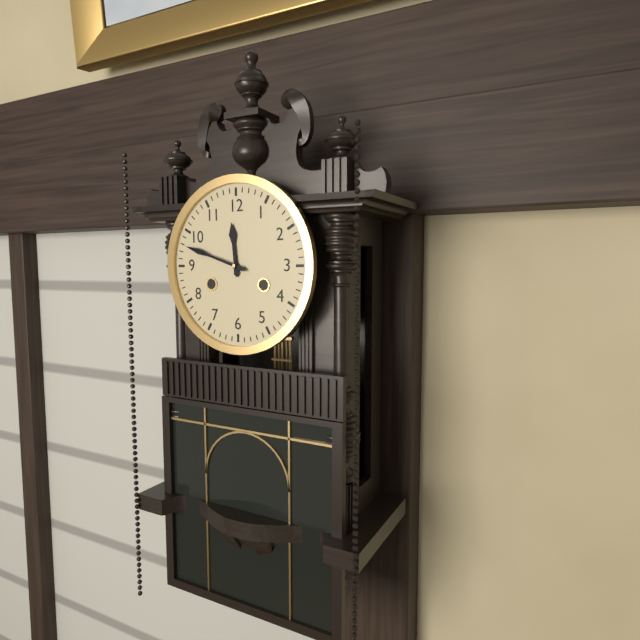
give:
11.48
